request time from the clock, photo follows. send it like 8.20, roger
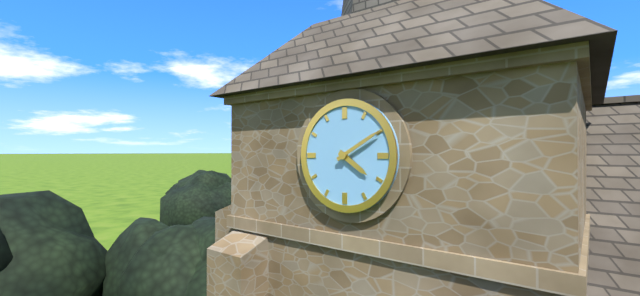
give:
4.10
